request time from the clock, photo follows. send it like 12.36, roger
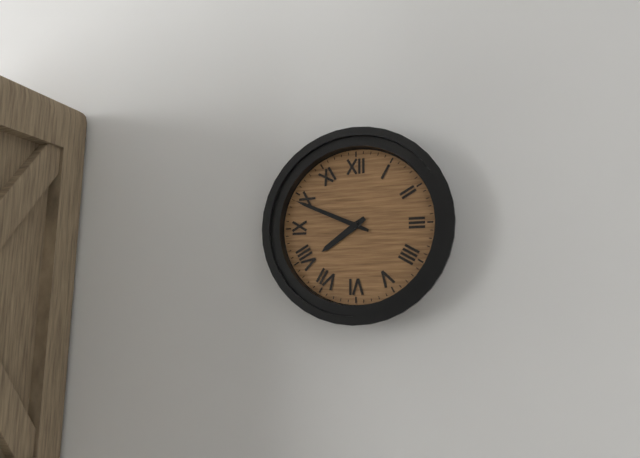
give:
7.49
